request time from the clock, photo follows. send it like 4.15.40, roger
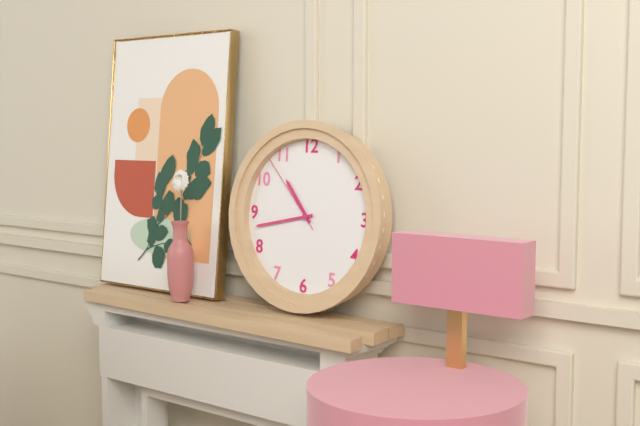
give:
10.43.53
